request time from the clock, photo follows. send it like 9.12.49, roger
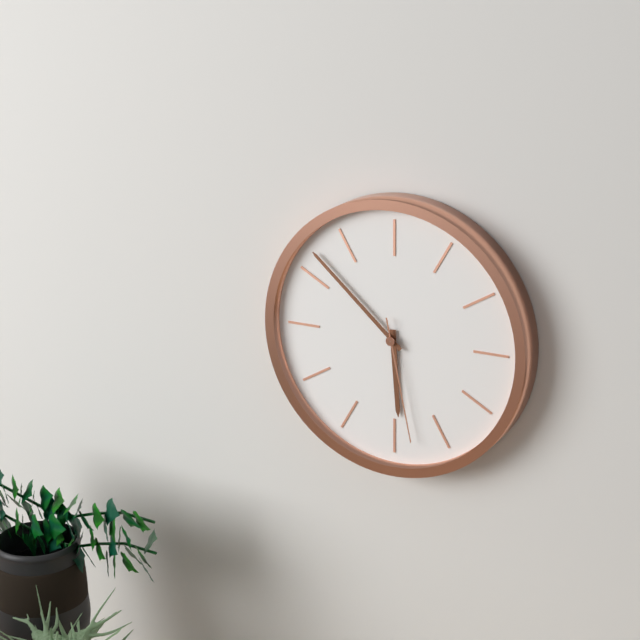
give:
5.52.28
